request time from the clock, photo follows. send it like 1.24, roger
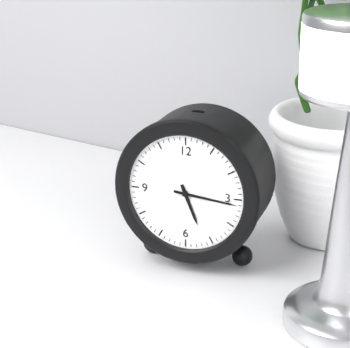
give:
5.16
